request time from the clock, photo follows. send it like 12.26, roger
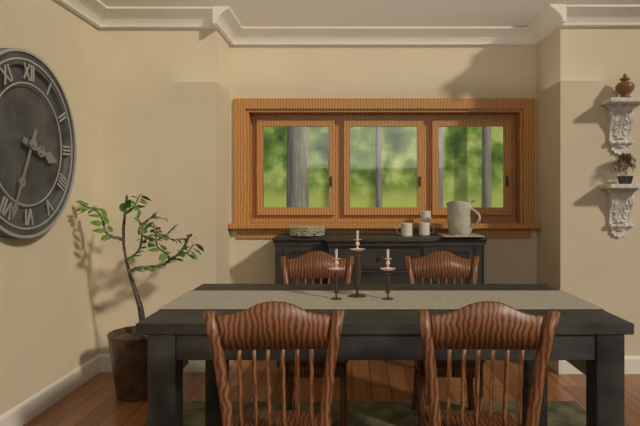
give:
3.34
